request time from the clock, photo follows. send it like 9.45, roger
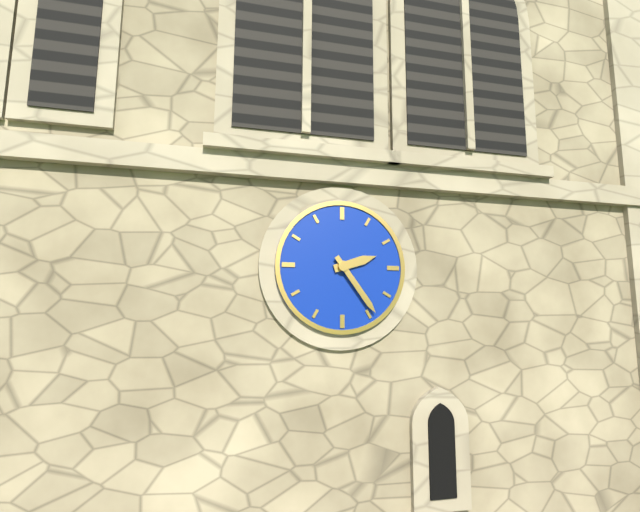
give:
2.24
